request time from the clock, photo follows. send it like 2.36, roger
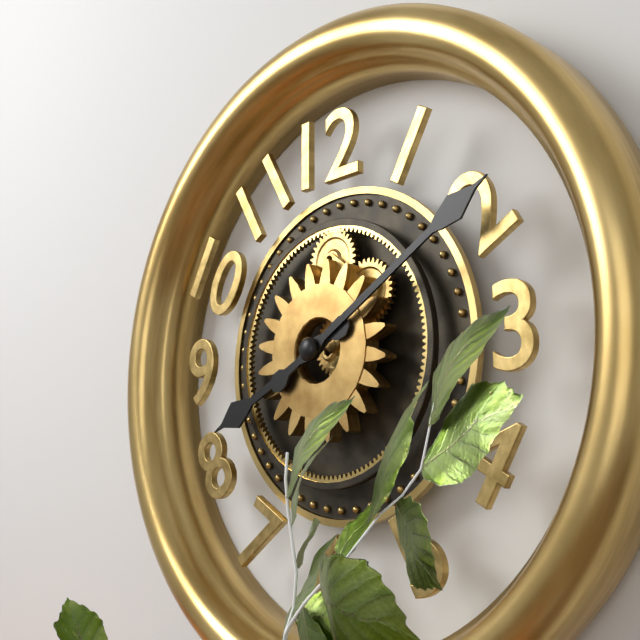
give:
8.10
